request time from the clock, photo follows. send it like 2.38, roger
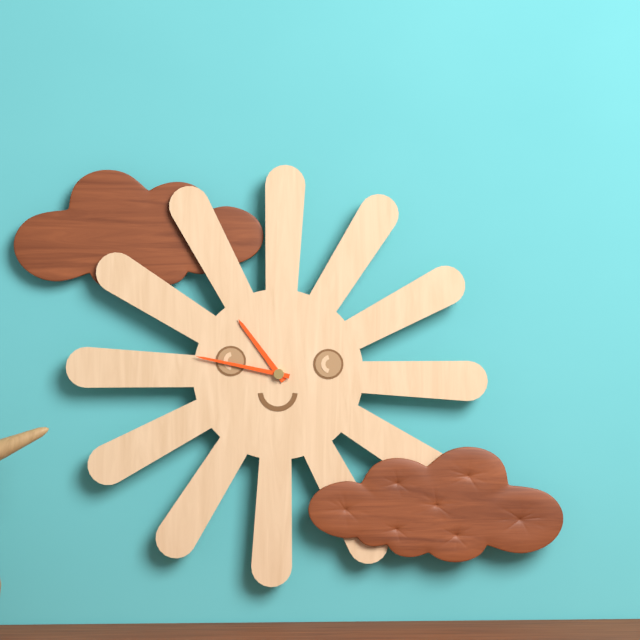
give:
10.47
